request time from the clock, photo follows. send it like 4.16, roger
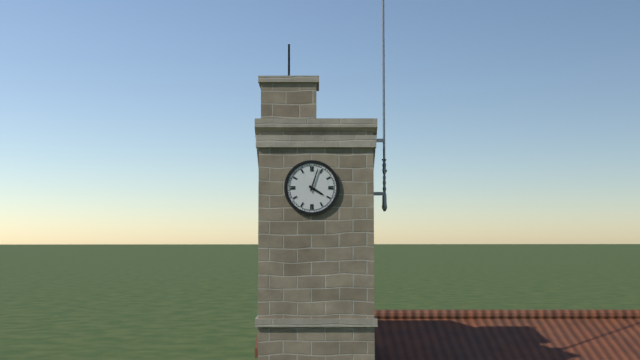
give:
4.03
